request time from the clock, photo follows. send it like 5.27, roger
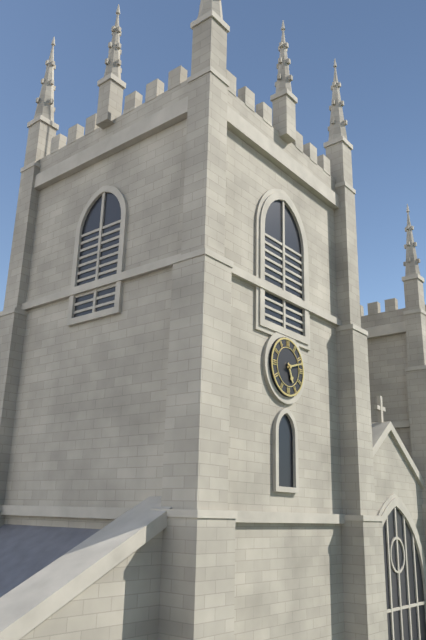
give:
5.12
